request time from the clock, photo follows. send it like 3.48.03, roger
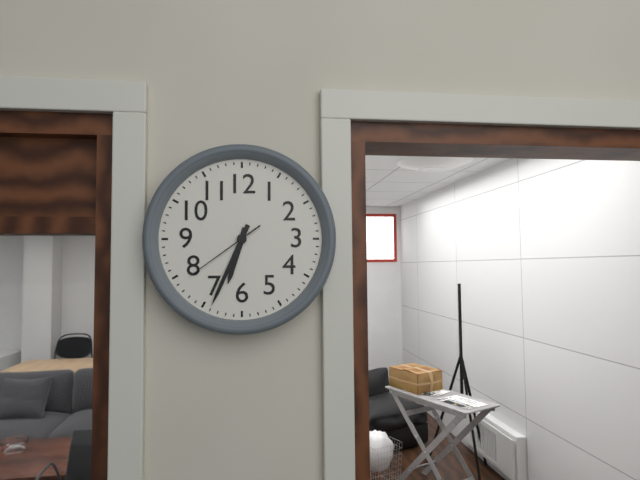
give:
6.34.39
